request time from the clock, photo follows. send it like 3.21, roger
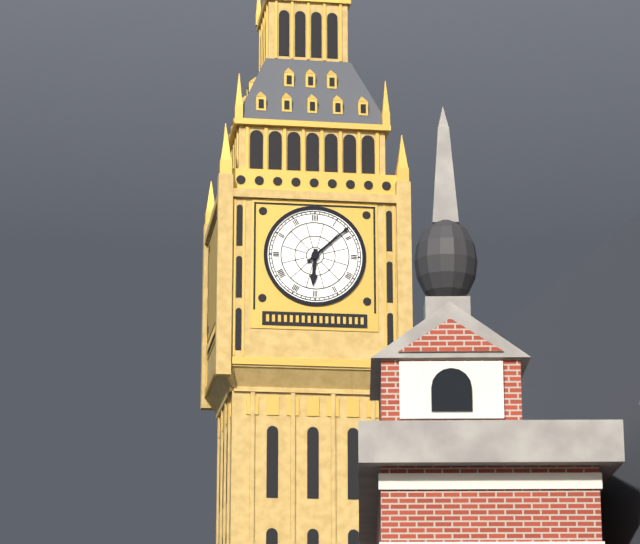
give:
6.08
